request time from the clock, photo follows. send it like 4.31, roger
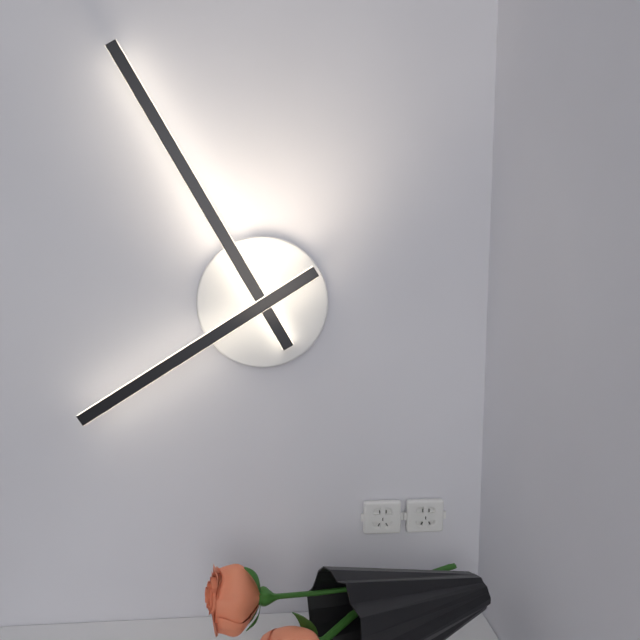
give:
7.55
